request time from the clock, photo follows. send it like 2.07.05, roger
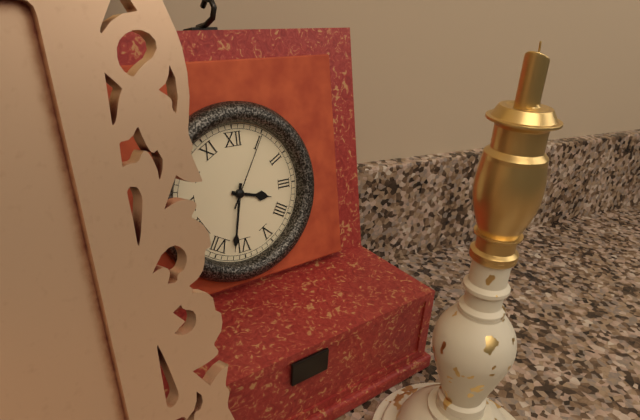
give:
3.32.05
